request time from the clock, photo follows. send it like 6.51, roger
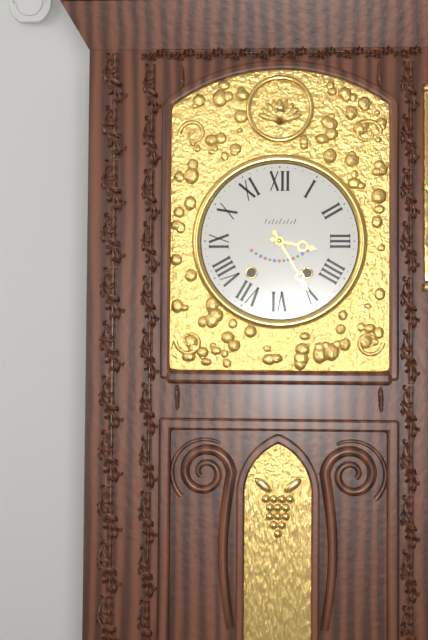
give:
3.25
